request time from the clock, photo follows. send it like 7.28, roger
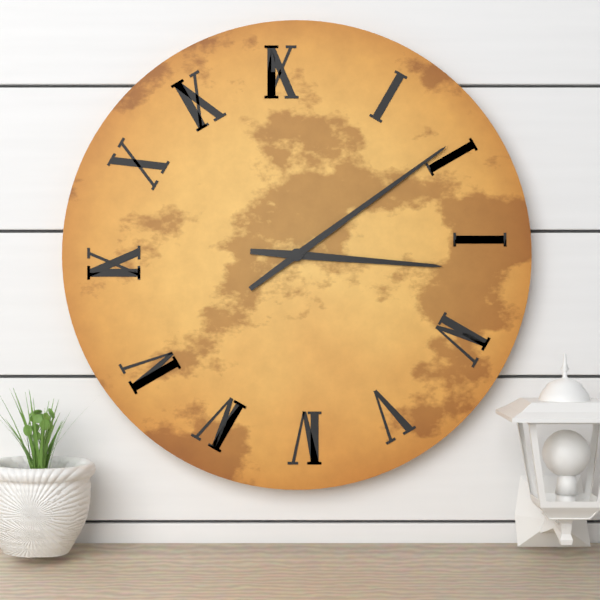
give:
3.09
